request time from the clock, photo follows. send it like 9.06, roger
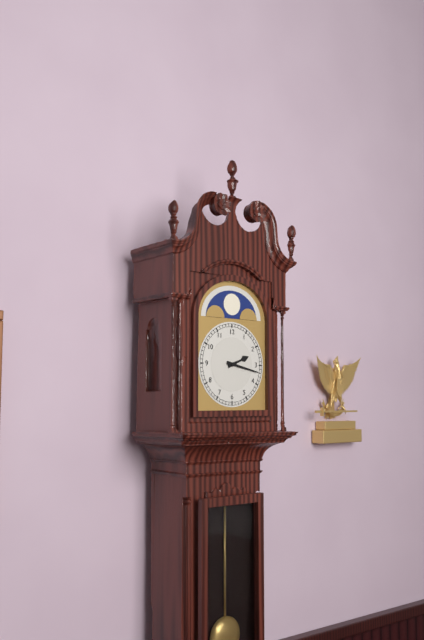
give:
2.17
